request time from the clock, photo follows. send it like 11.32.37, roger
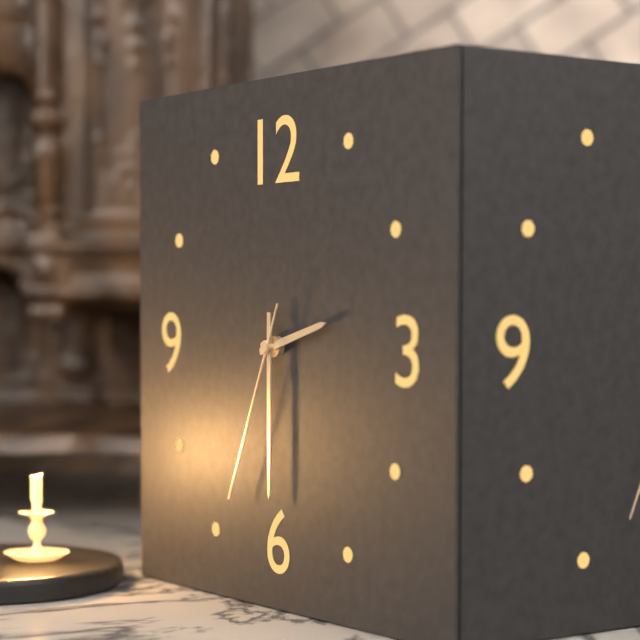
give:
2.30.34
